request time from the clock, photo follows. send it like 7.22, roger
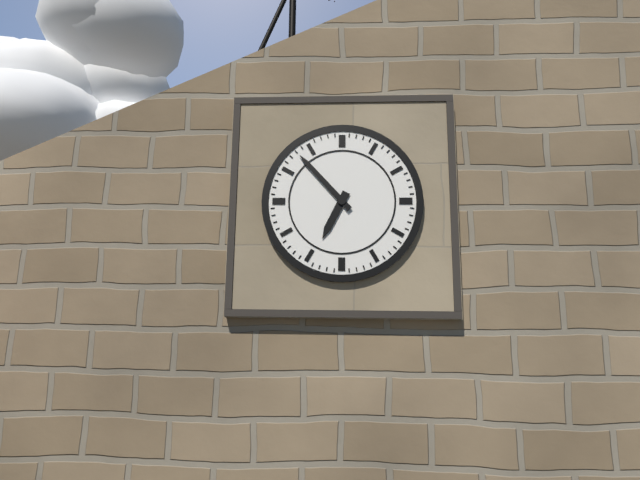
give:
6.53
